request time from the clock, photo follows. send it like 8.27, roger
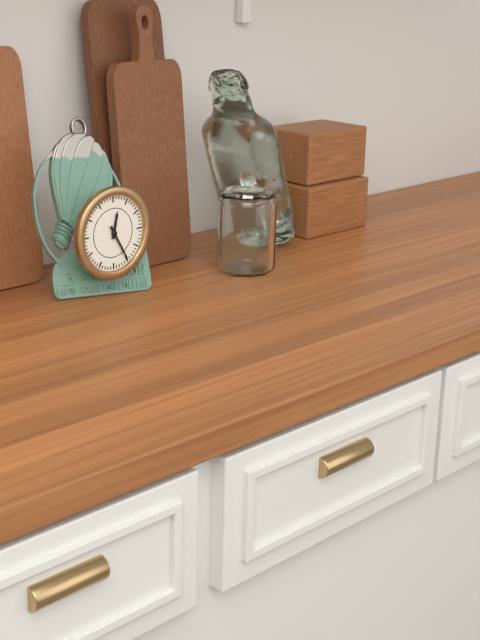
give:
12.25
